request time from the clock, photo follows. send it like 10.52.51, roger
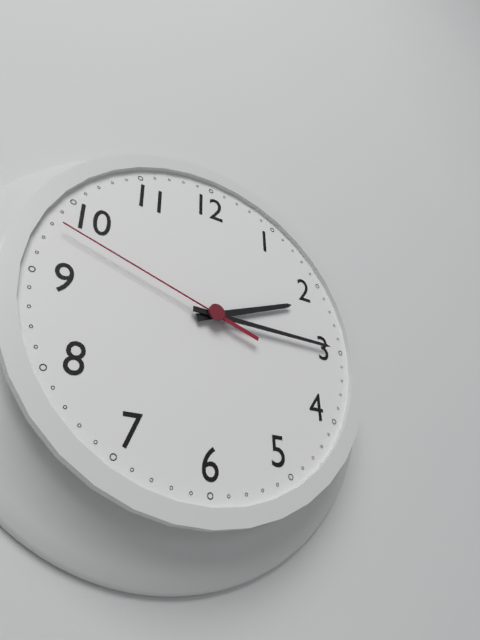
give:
2.15.48
